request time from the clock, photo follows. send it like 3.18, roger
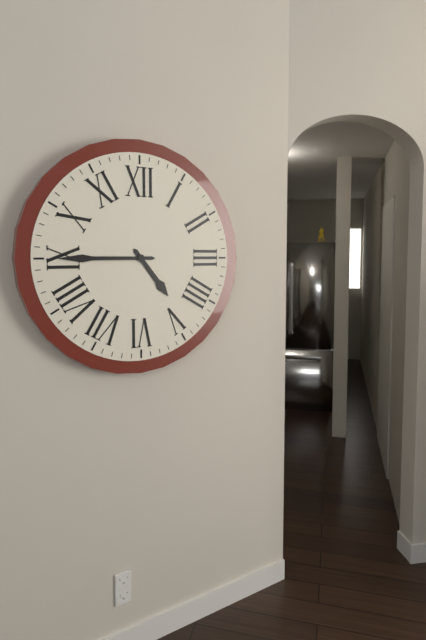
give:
4.45
